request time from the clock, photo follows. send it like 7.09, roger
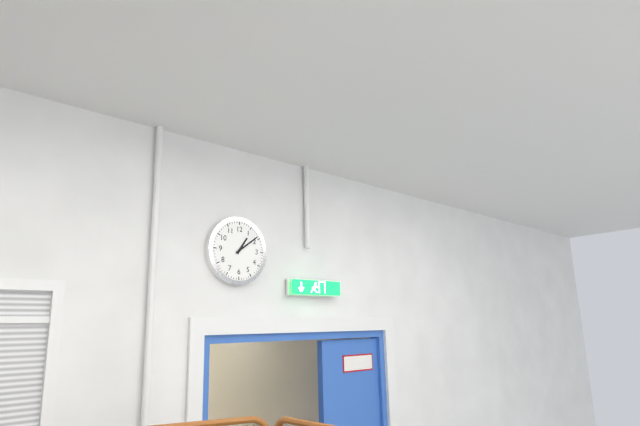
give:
1.09
